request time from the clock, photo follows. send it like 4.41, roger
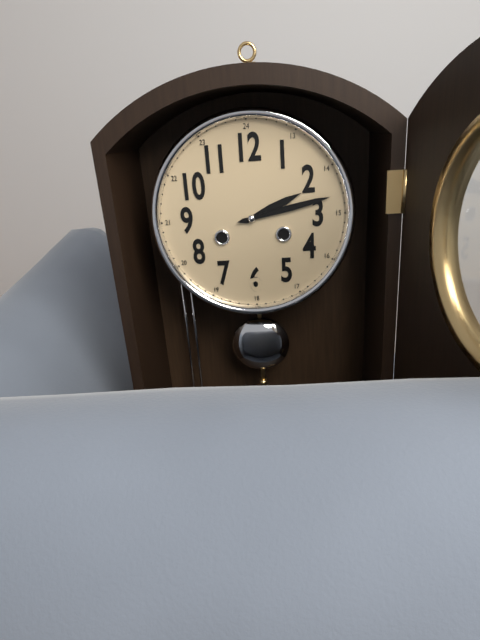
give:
2.13
